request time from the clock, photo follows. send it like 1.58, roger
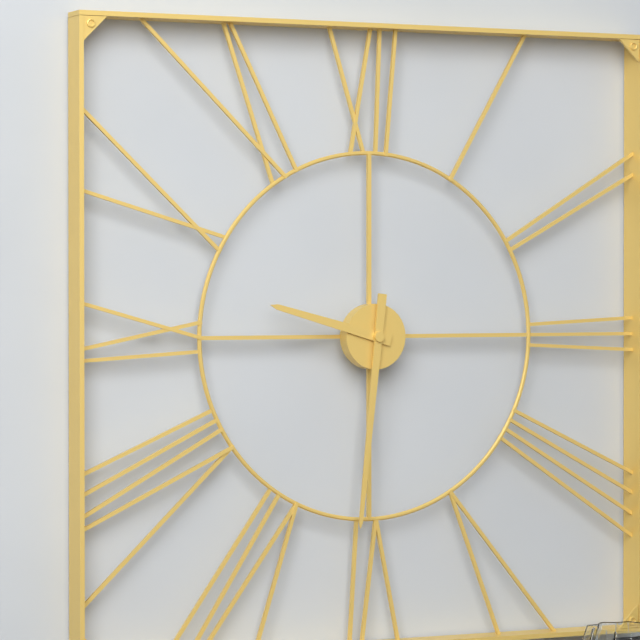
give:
9.31
